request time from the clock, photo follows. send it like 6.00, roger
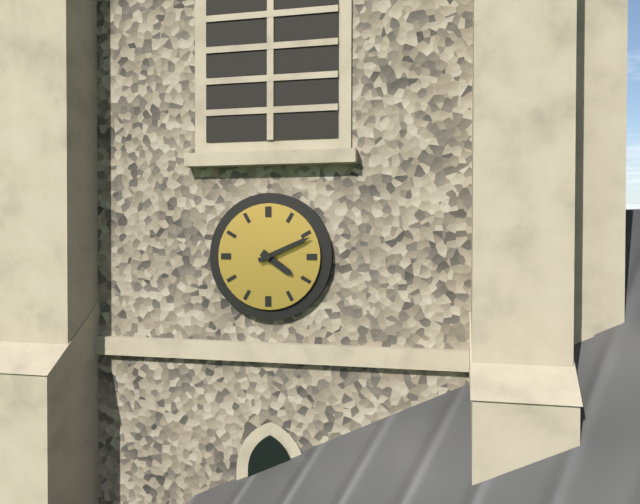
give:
4.11
